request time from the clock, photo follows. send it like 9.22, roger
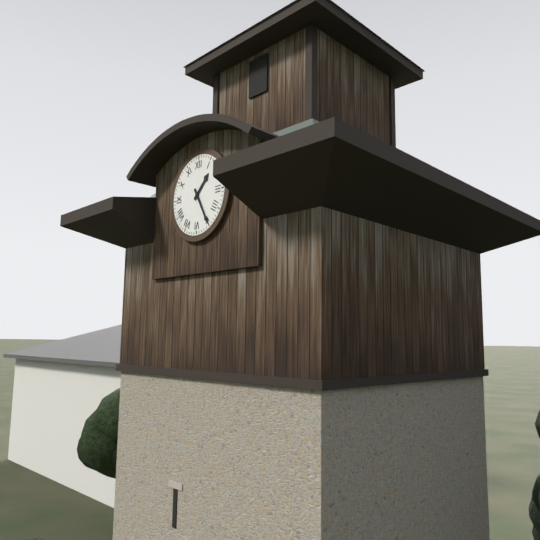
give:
1.25
